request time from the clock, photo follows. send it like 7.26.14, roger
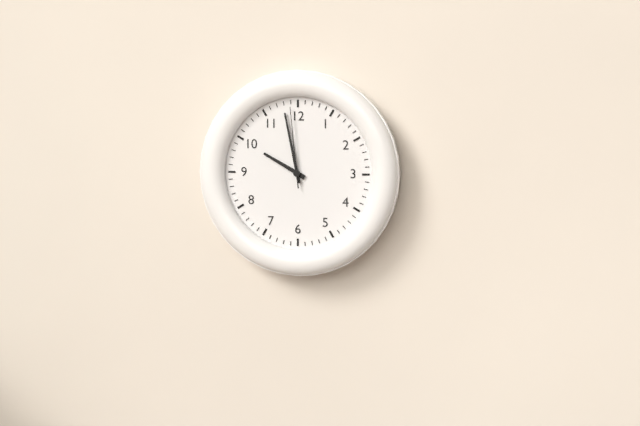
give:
9.58.59
